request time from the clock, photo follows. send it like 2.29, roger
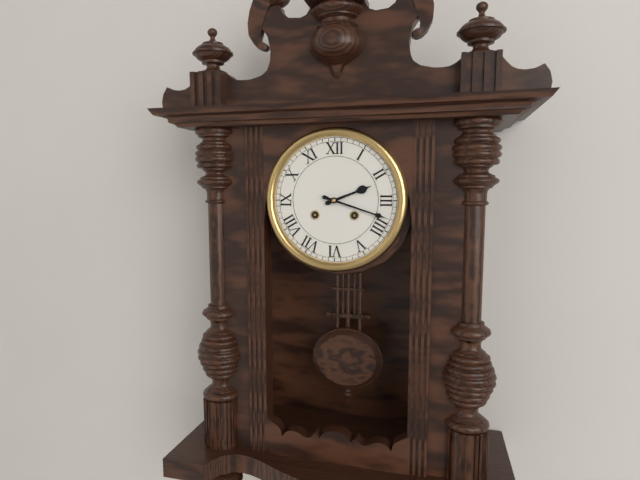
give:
2.18
